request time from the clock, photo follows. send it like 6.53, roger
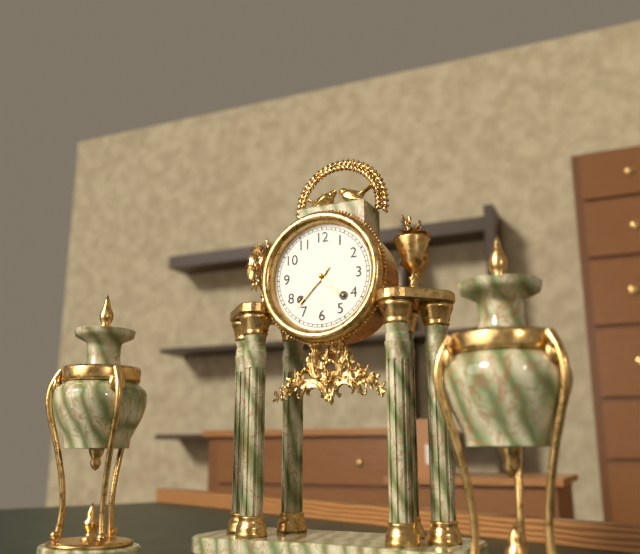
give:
4.37
